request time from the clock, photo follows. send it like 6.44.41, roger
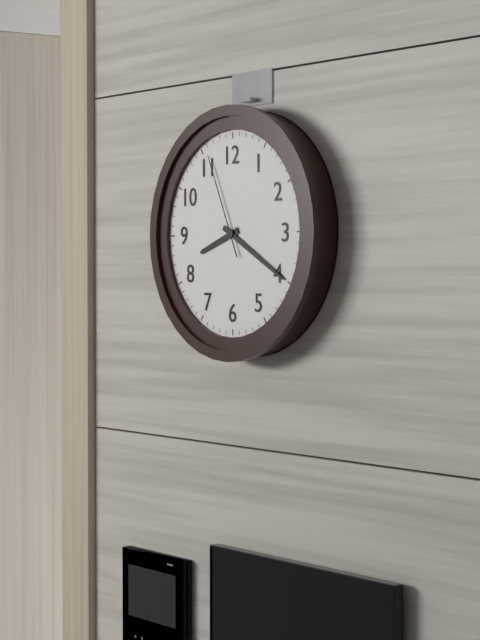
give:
8.20.56
